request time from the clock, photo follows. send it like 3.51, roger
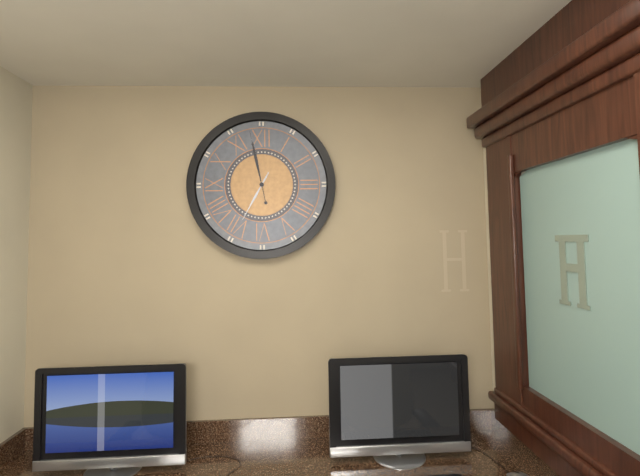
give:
6.58
